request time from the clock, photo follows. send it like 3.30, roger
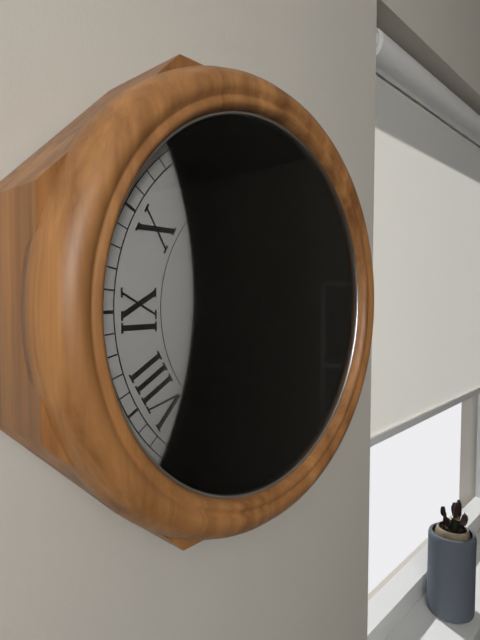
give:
1.06
